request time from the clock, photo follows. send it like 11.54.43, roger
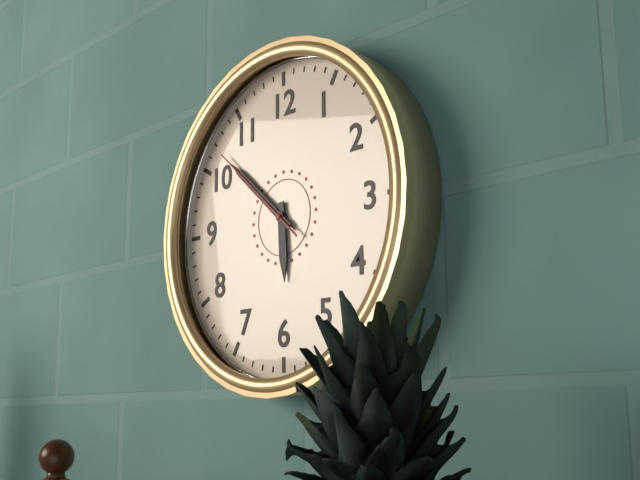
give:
5.52.52
